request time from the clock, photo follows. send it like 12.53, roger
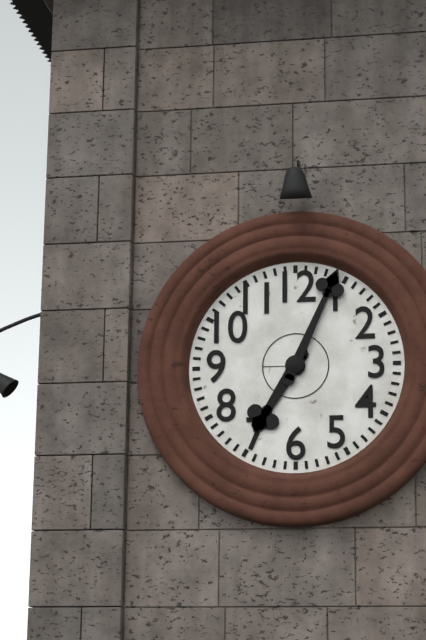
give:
7.04
